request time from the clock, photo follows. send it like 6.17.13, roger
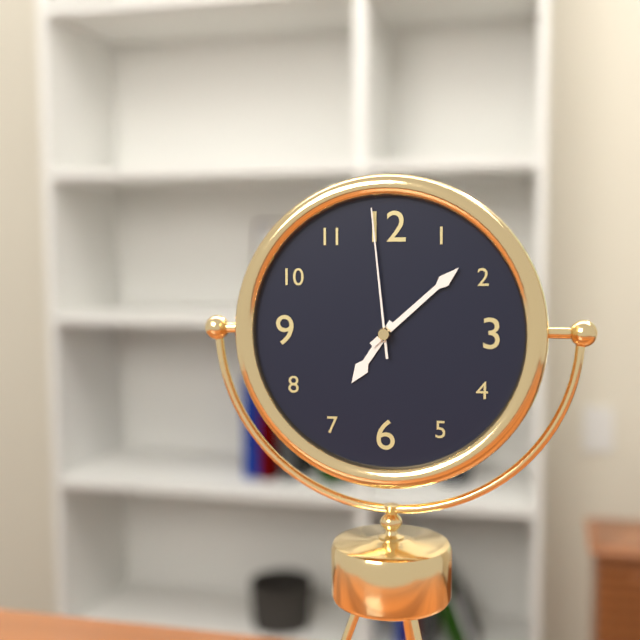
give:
7.08.59
